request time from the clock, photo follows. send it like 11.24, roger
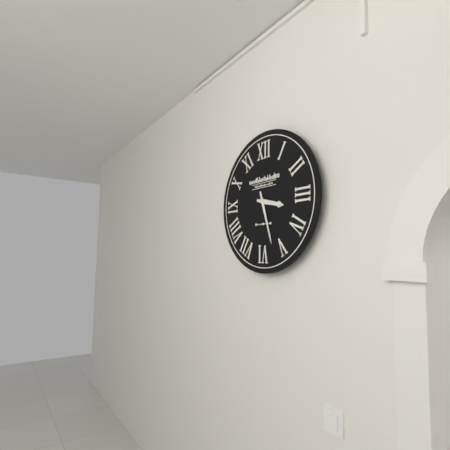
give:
3.27
